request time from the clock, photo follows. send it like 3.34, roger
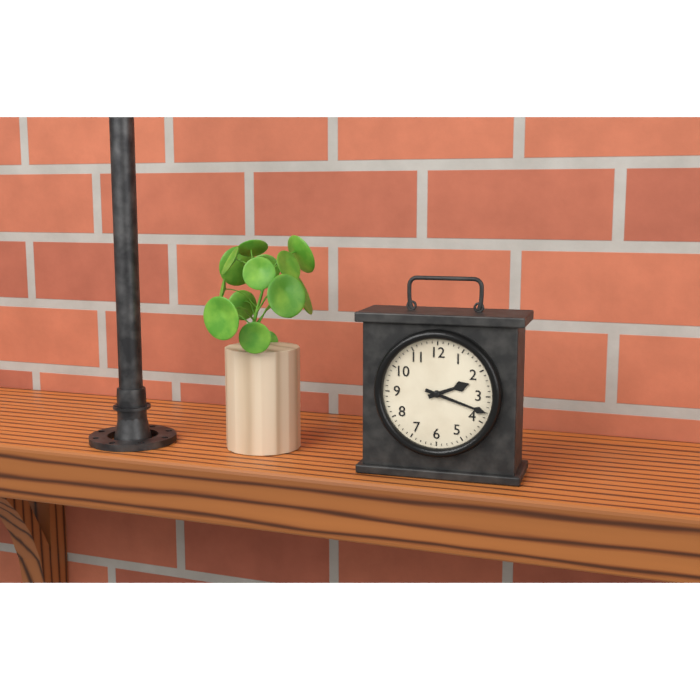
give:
2.18
